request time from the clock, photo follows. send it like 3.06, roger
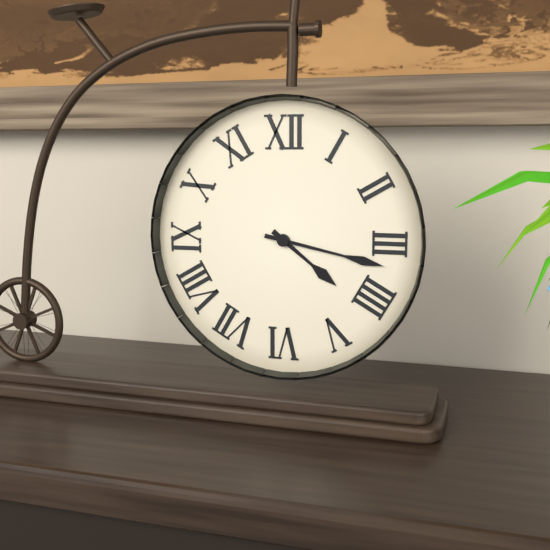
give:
4.17
